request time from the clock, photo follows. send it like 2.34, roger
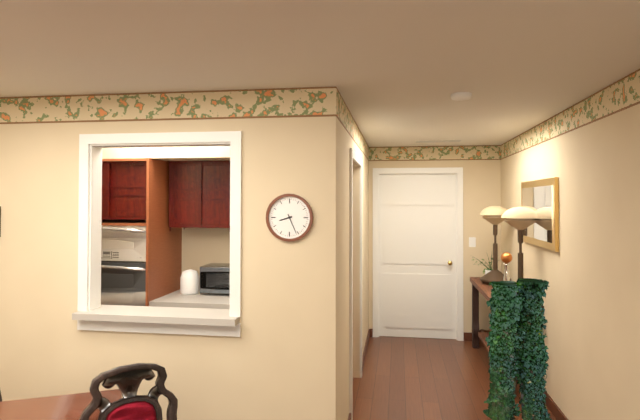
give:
8.26
